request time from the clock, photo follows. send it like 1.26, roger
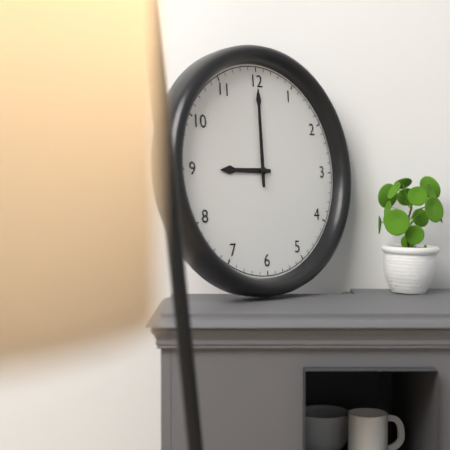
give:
9.00
